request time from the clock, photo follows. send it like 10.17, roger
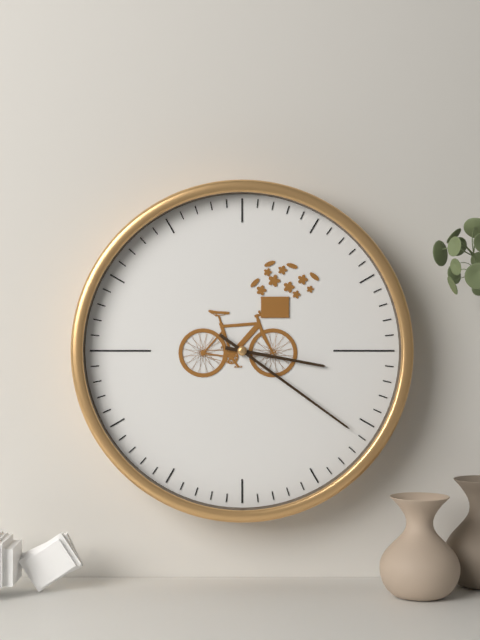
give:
3.21
